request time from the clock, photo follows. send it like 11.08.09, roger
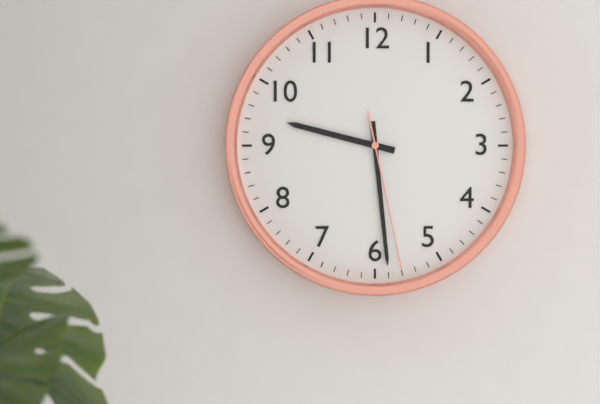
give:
9.29.28
